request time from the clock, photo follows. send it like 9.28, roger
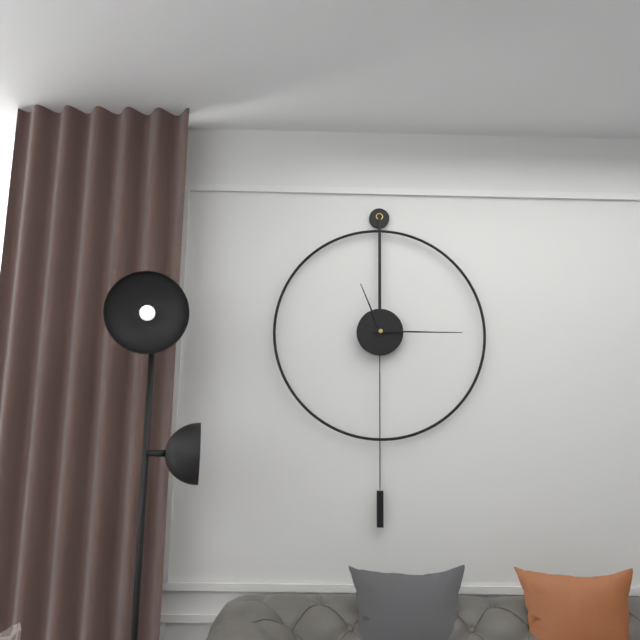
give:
11.15
